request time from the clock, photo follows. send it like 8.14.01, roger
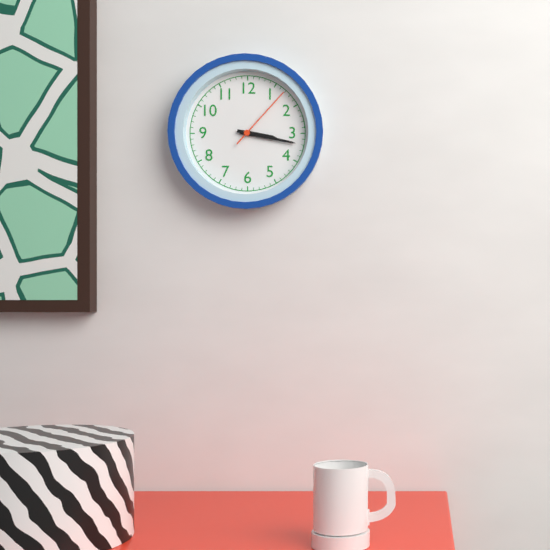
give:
3.17.07
